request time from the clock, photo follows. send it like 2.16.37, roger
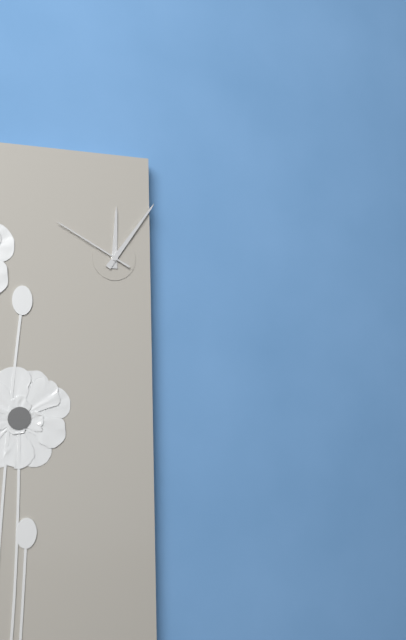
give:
12.06.50
